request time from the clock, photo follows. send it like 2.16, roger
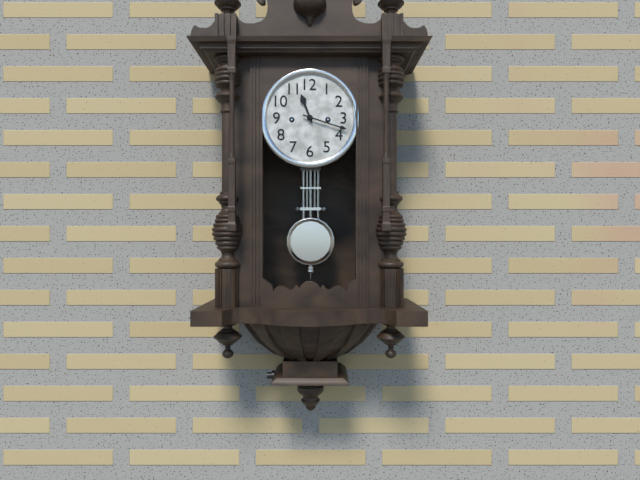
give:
11.18
